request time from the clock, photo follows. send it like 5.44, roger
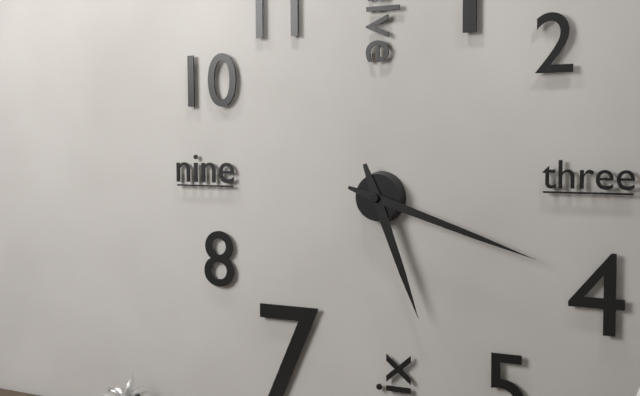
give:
5.18
